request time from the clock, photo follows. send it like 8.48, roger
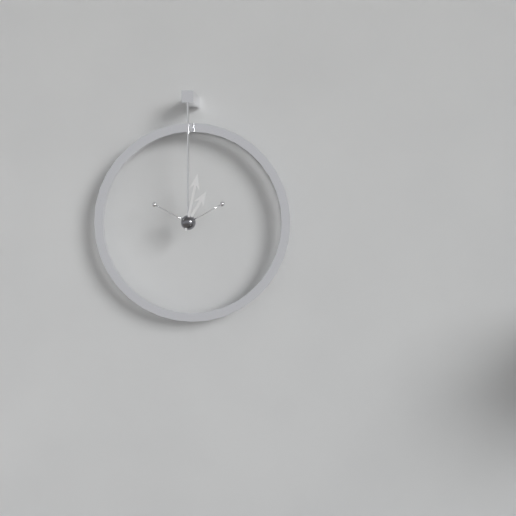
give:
1.02
